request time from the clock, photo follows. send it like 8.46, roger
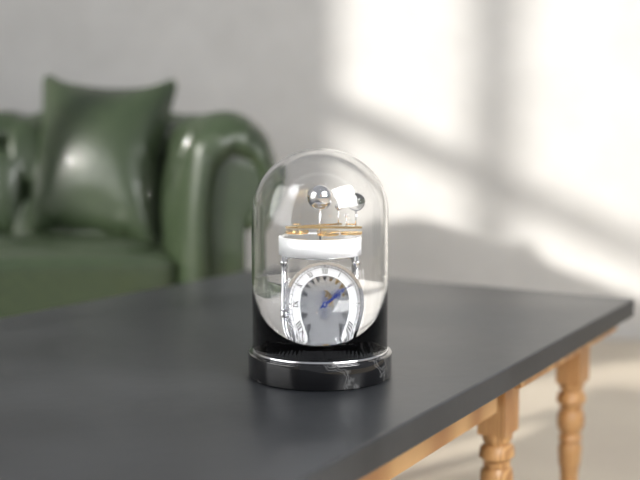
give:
2.10
